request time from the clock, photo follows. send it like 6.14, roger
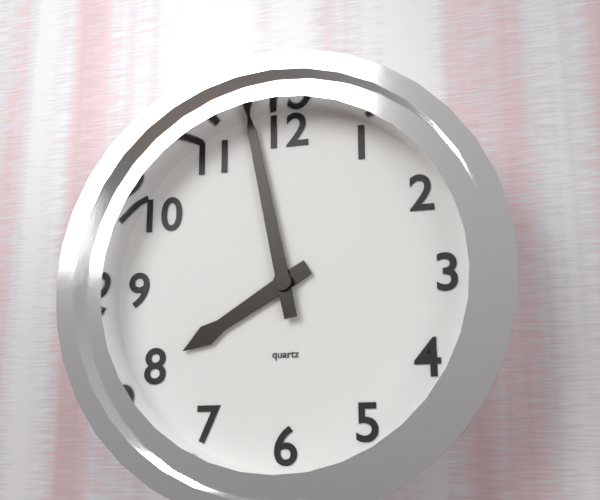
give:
7.58
